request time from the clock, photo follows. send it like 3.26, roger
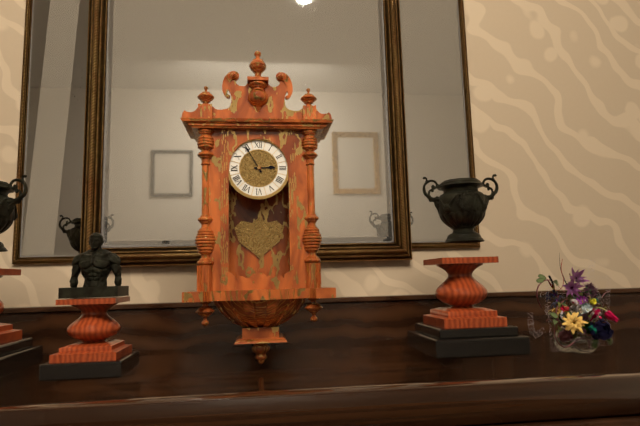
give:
2.55
